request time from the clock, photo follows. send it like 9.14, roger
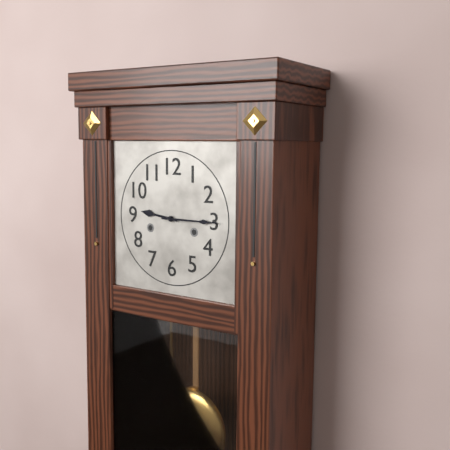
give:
9.15
